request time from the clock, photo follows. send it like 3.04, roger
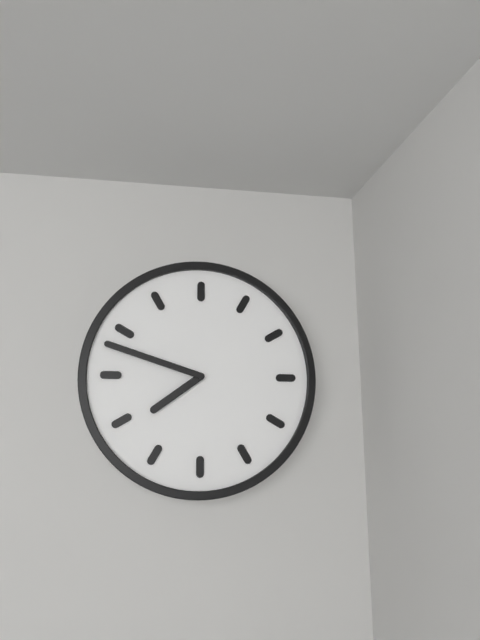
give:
7.48
